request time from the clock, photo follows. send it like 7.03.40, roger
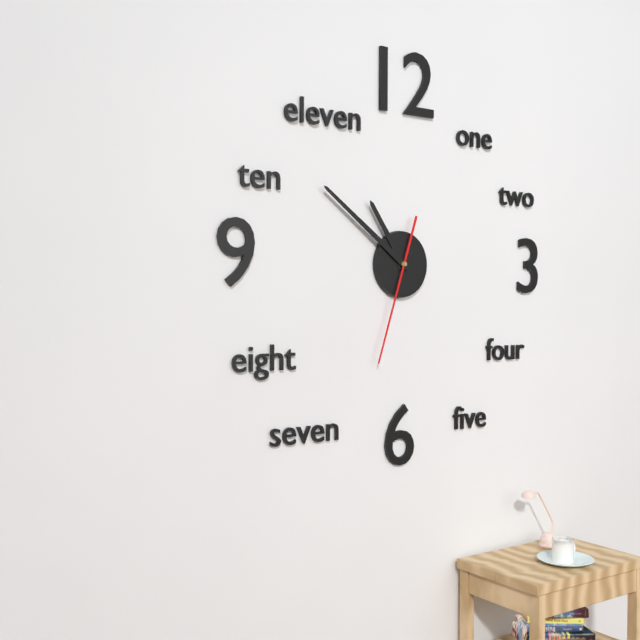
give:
10.51.33
